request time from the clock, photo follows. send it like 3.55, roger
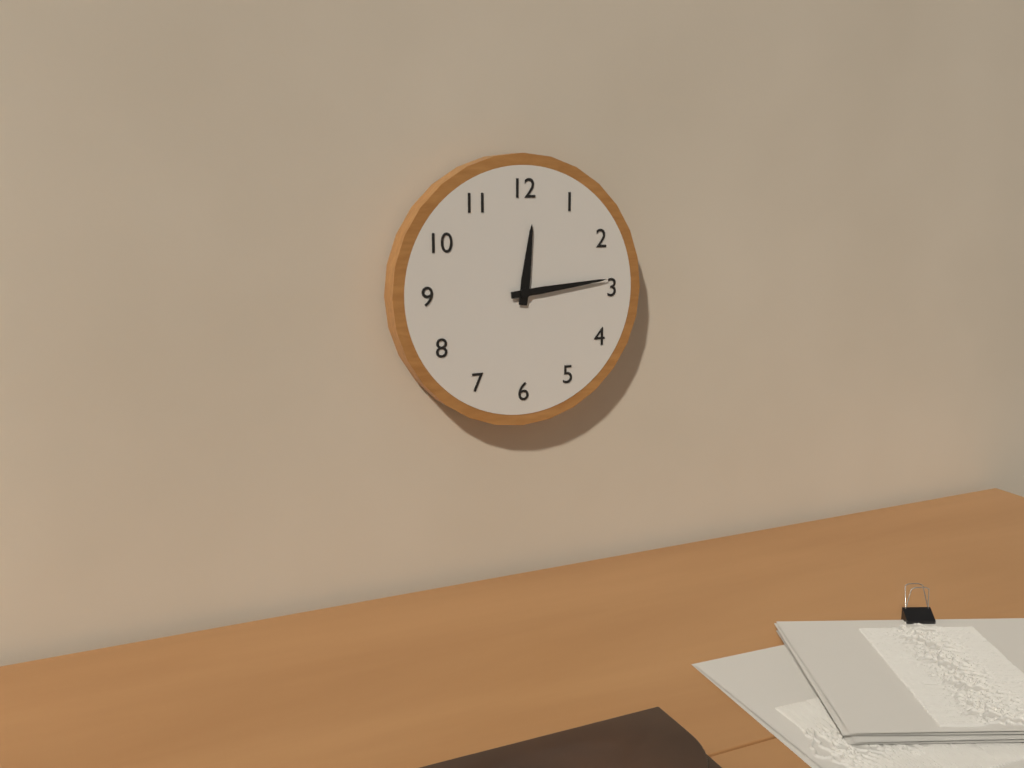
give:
12.14
